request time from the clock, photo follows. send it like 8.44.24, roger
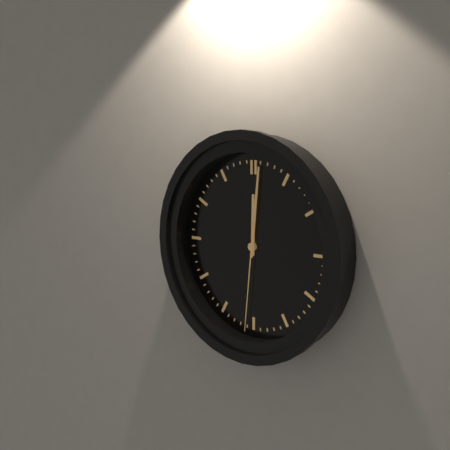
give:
12.01.31
